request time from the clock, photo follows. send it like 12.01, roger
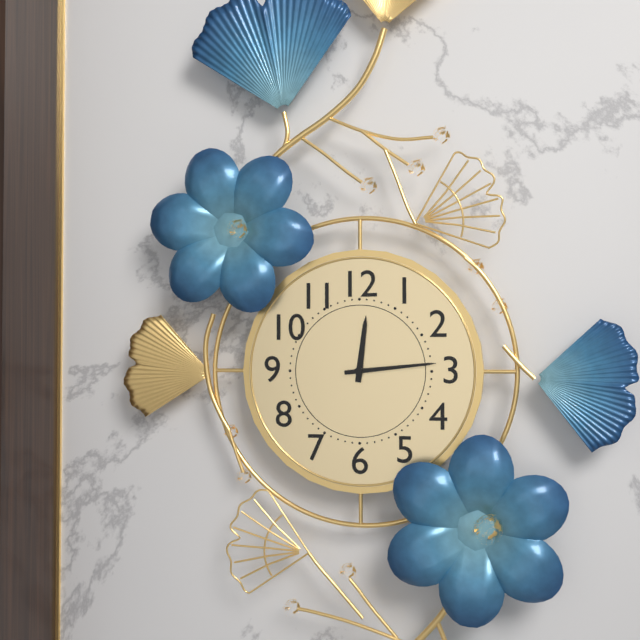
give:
12.14
